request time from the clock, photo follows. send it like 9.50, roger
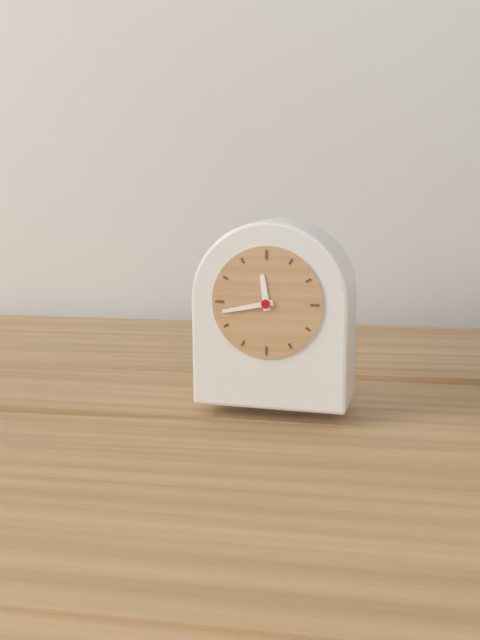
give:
11.43
